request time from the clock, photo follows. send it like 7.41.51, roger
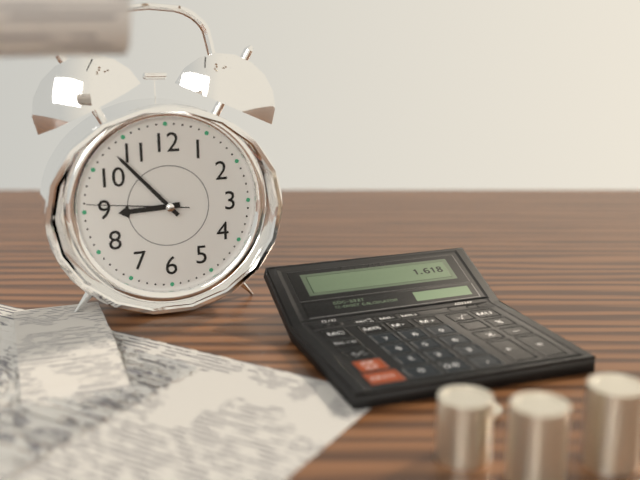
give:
8.53.46
